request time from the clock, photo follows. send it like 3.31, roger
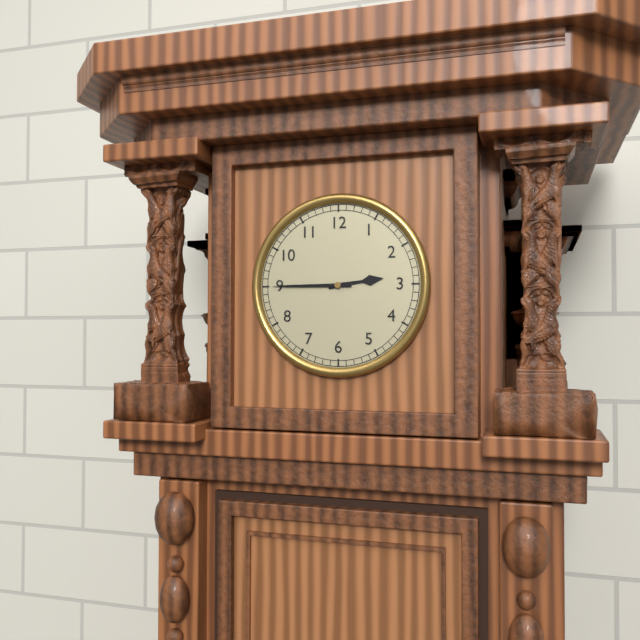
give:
2.45
